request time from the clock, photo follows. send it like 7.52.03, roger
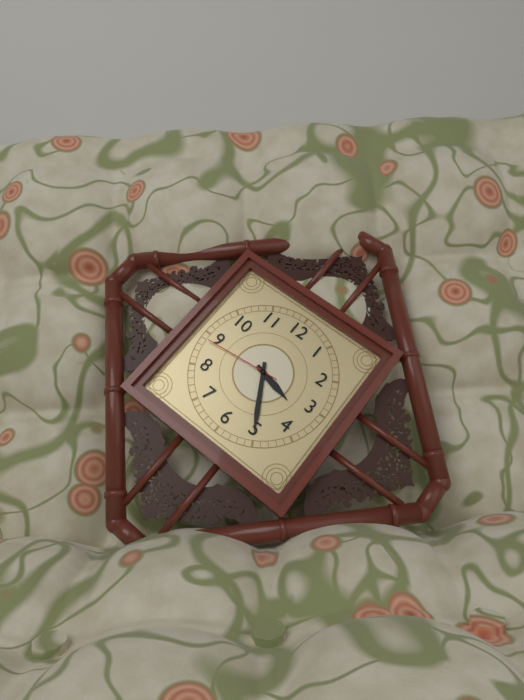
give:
3.25.44
